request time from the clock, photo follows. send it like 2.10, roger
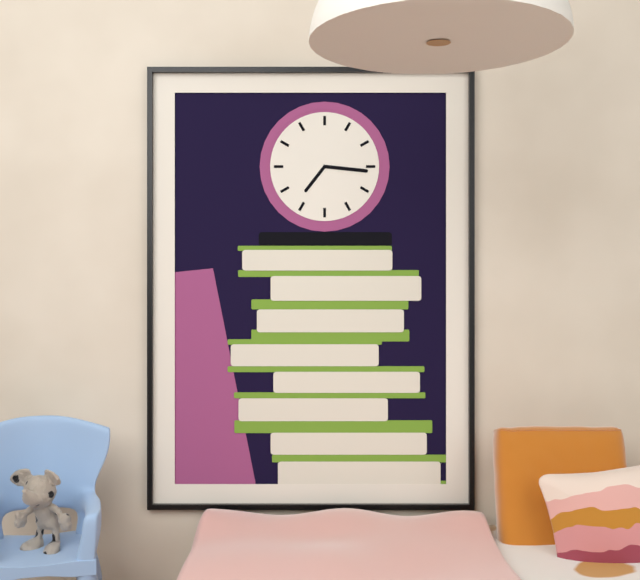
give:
7.16
